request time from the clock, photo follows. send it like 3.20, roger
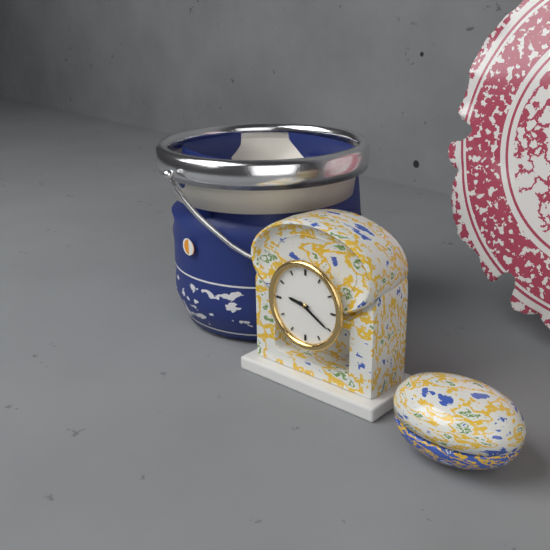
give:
9.20
